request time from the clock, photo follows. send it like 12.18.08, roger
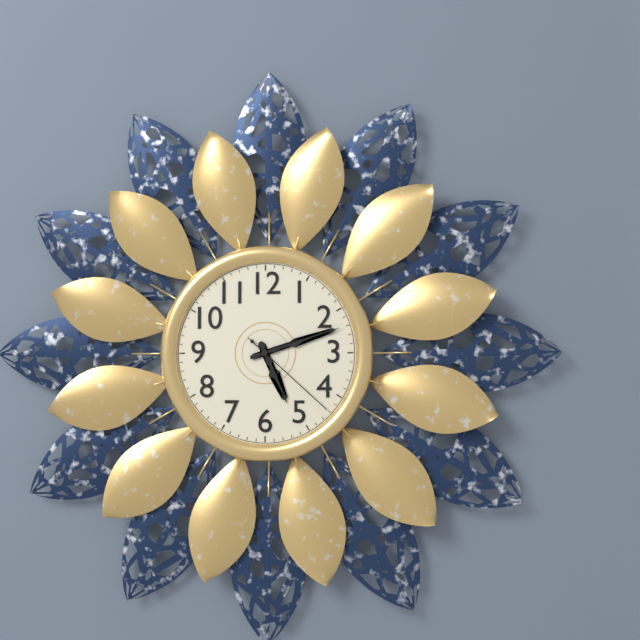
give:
5.12.22
